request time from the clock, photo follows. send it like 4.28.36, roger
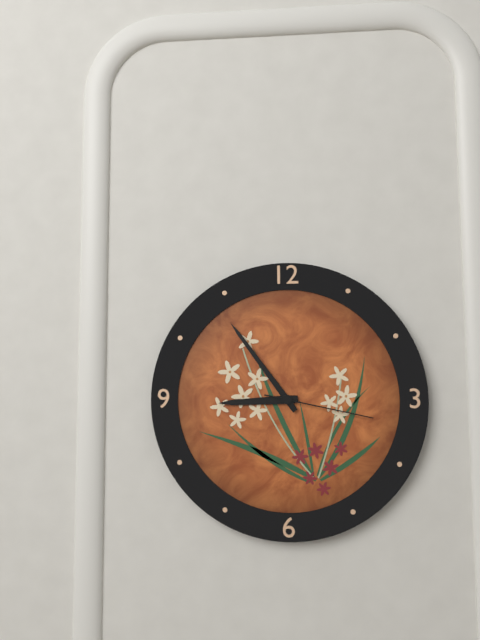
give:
8.54.17
